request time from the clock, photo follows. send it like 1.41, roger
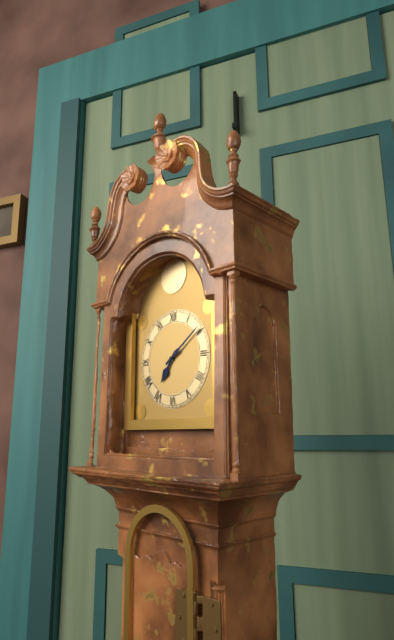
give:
7.09
